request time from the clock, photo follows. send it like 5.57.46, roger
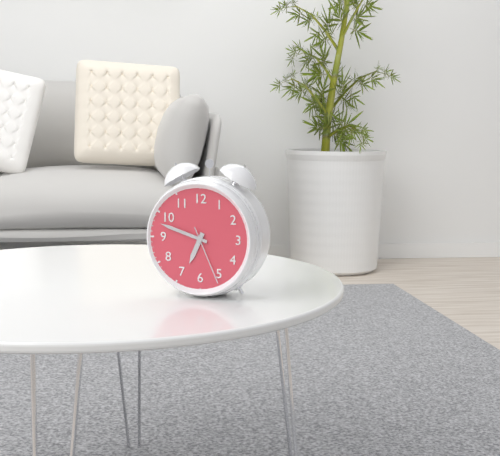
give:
6.48.26
